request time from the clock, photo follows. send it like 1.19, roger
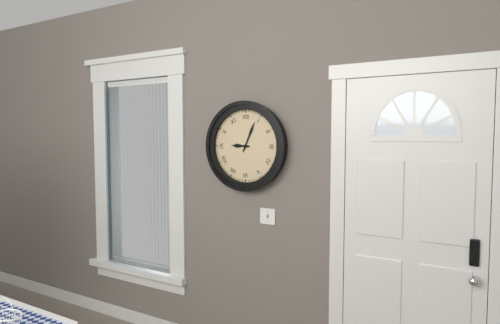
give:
9.04
